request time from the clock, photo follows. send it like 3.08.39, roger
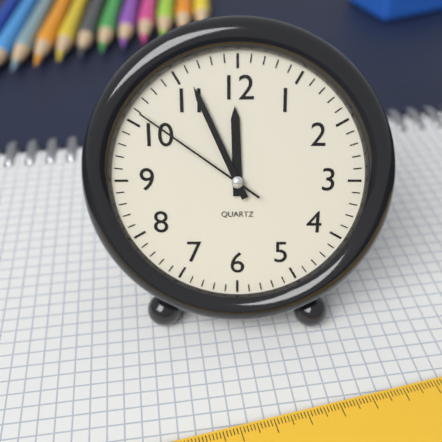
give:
11.56.51
